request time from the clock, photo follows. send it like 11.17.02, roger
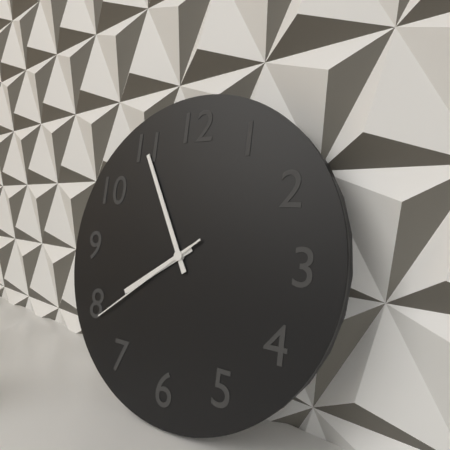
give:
7.55.39
